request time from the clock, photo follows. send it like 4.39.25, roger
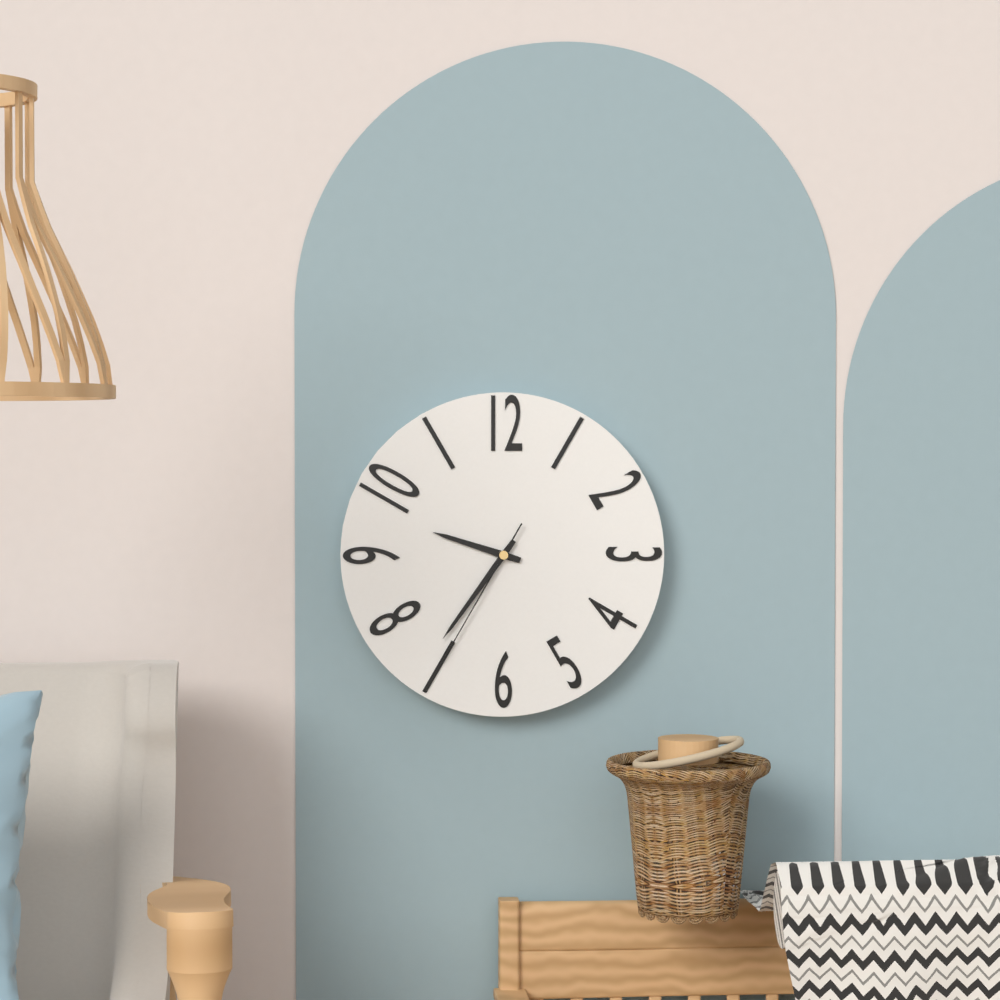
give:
9.36.35
